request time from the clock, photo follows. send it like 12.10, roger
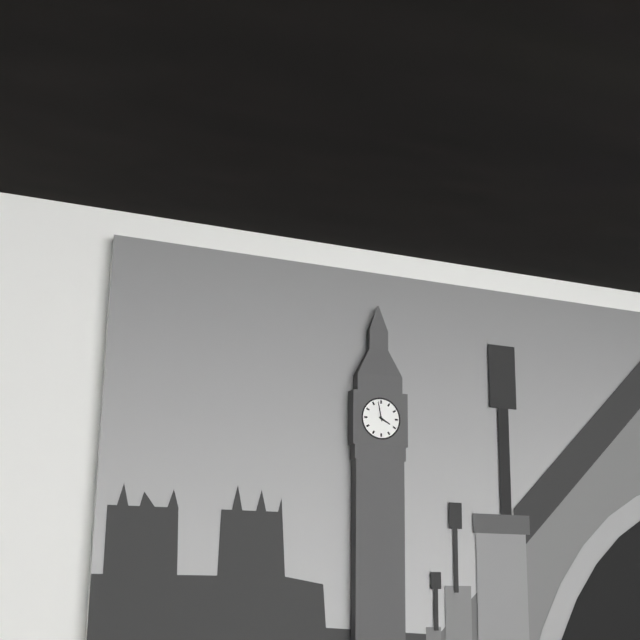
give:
3.58
